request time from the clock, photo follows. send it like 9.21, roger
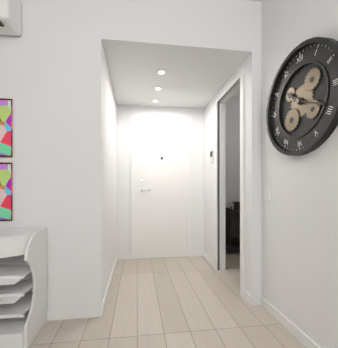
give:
10.19
